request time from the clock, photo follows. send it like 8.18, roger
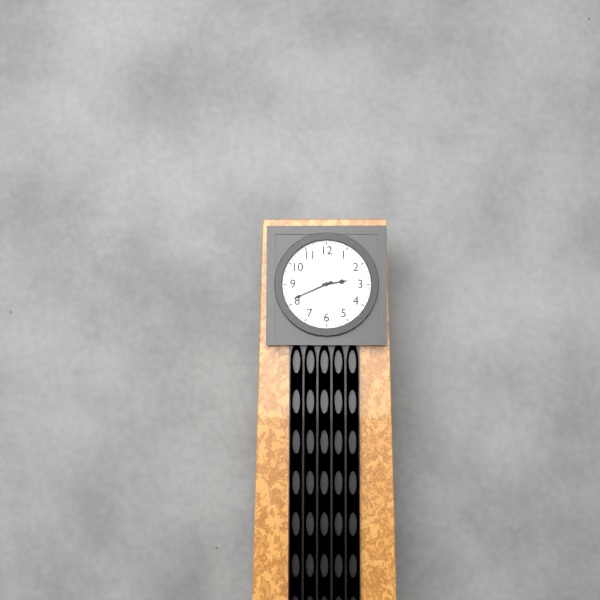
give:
2.41
